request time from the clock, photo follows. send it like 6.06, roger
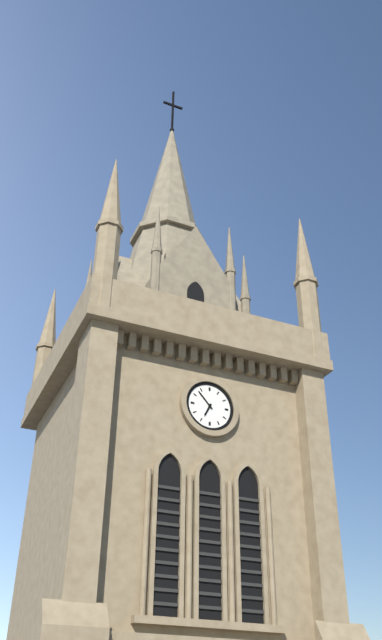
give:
6.53
